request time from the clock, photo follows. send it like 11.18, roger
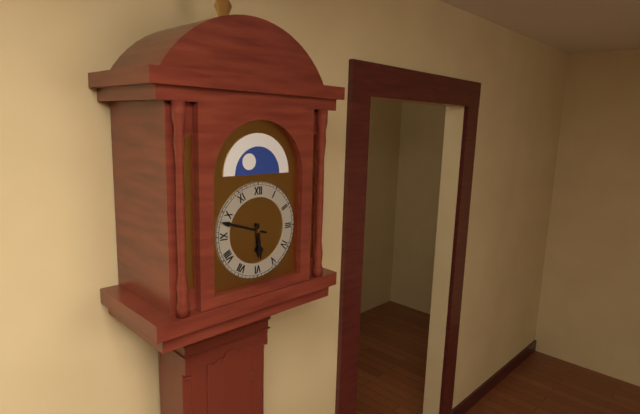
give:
5.48
